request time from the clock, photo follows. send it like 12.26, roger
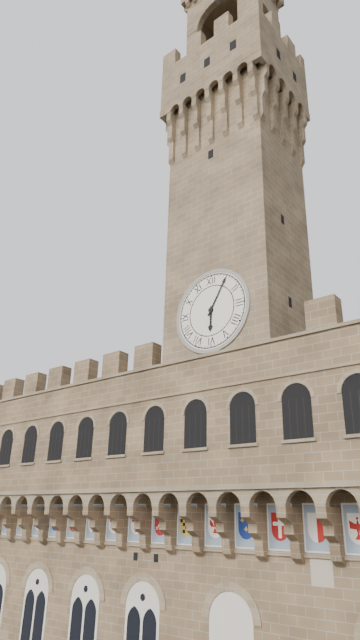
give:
6.05
